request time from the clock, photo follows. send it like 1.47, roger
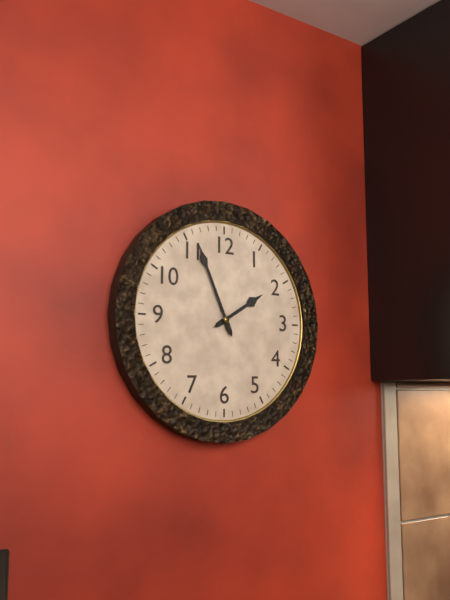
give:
1.56
